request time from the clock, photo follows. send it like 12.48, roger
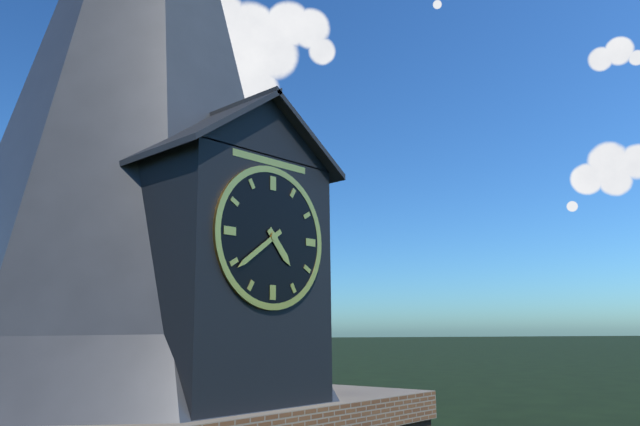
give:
4.39
